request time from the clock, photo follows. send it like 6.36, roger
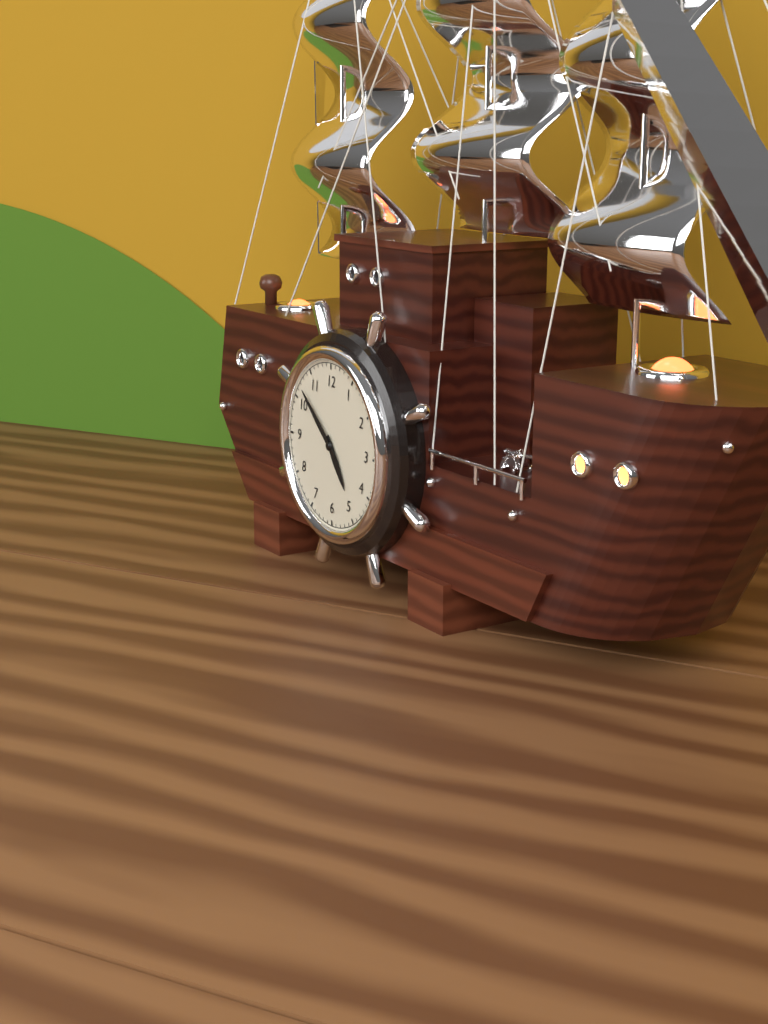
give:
4.52
